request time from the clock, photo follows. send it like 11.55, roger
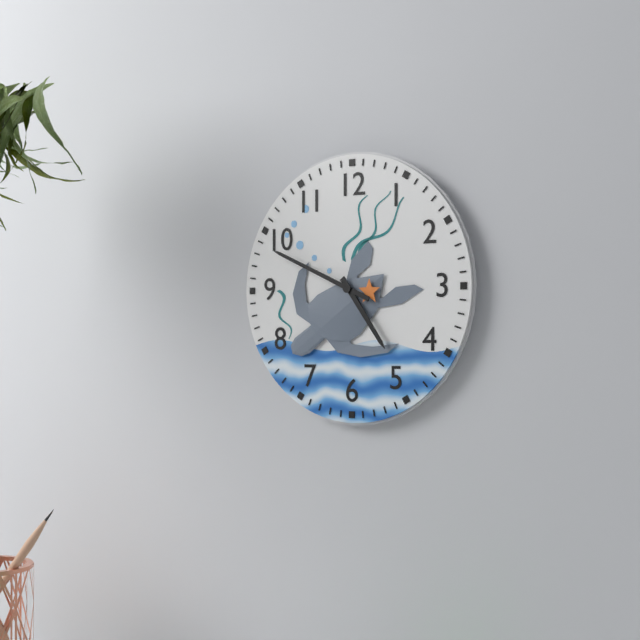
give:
4.49
